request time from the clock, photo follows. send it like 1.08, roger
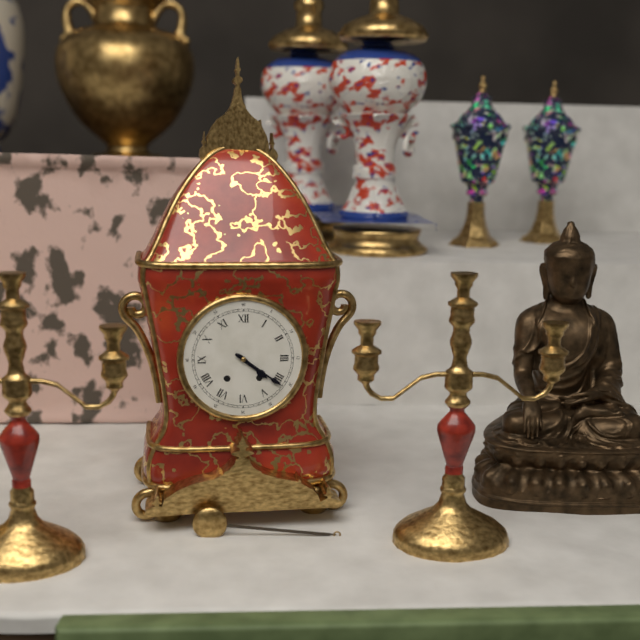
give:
4.21
